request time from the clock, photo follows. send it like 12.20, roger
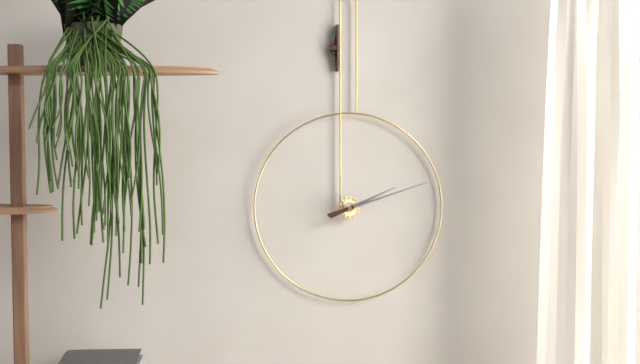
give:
2.12
